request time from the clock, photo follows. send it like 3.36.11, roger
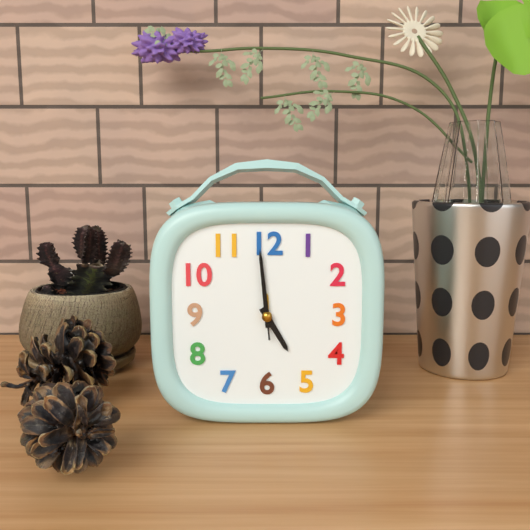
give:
4.59.59
